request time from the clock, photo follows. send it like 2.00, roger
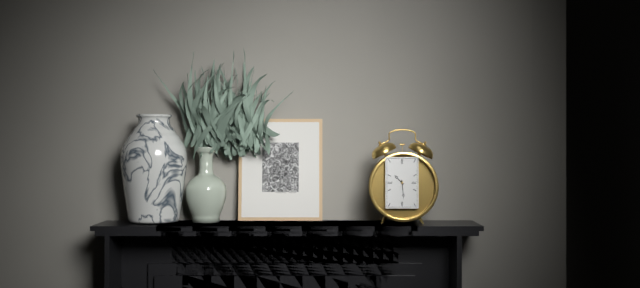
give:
10.29
